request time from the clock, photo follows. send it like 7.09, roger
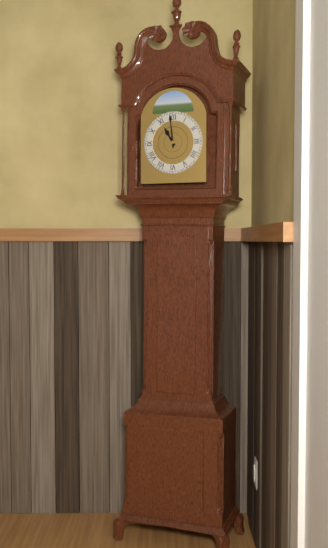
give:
10.59
